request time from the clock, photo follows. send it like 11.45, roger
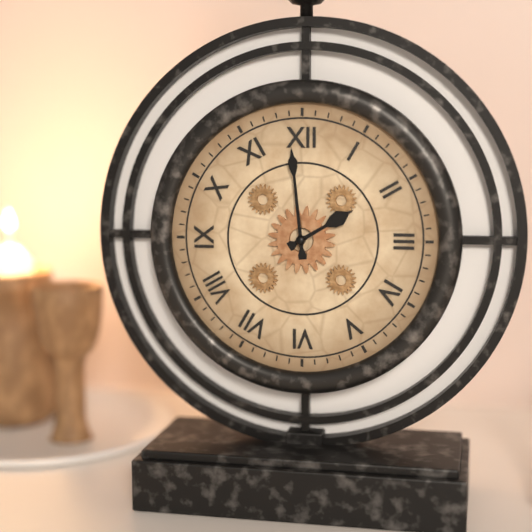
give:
1.59
